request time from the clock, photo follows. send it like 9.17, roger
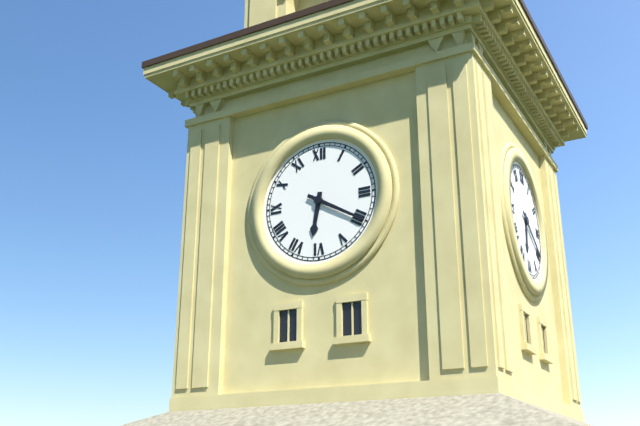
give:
6.20
